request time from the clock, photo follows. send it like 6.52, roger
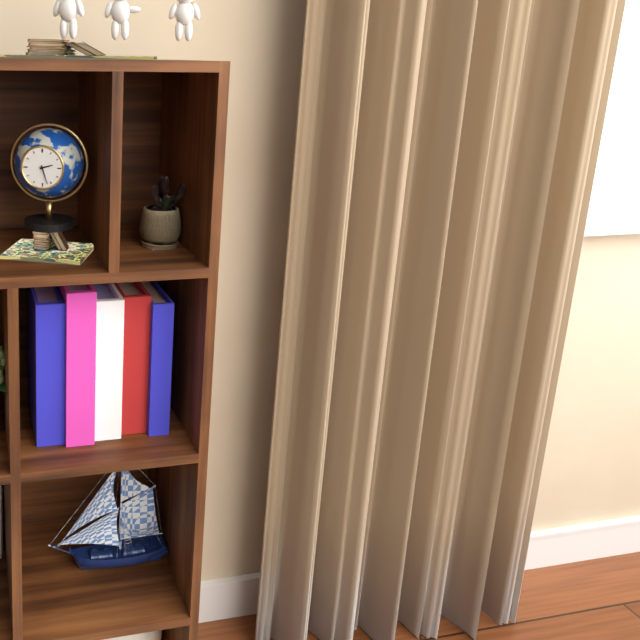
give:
2.27
